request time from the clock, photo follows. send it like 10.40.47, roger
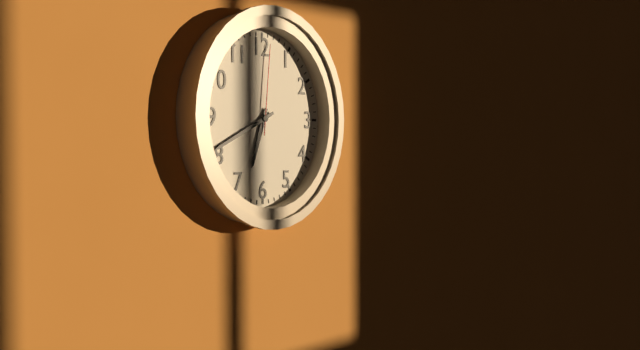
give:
6.41.01
